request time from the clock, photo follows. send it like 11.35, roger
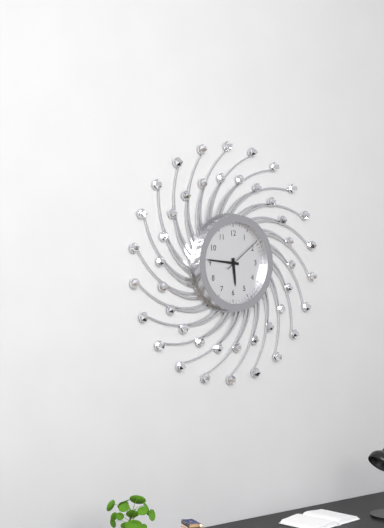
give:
5.46
